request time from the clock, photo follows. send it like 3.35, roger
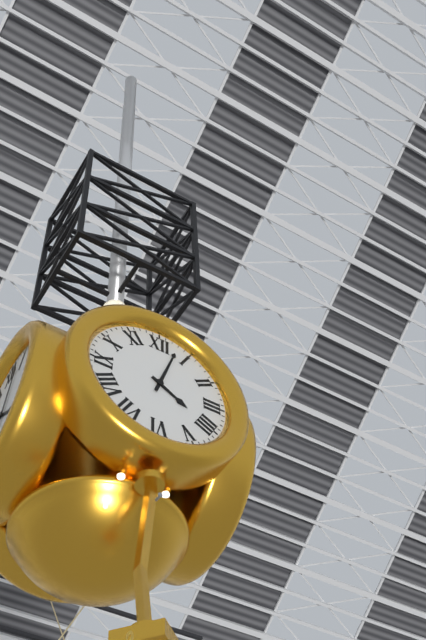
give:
4.03
